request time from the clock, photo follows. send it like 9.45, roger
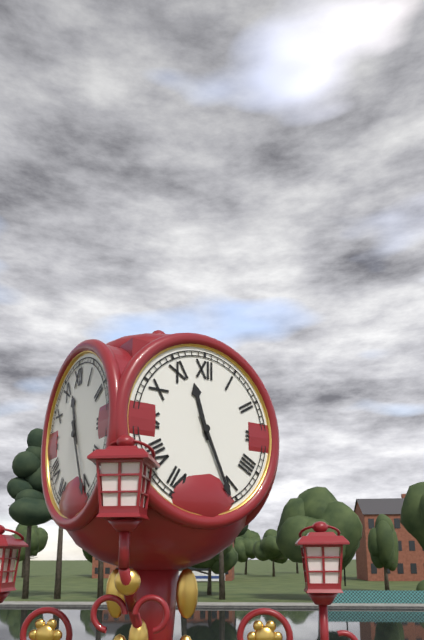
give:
11.26
